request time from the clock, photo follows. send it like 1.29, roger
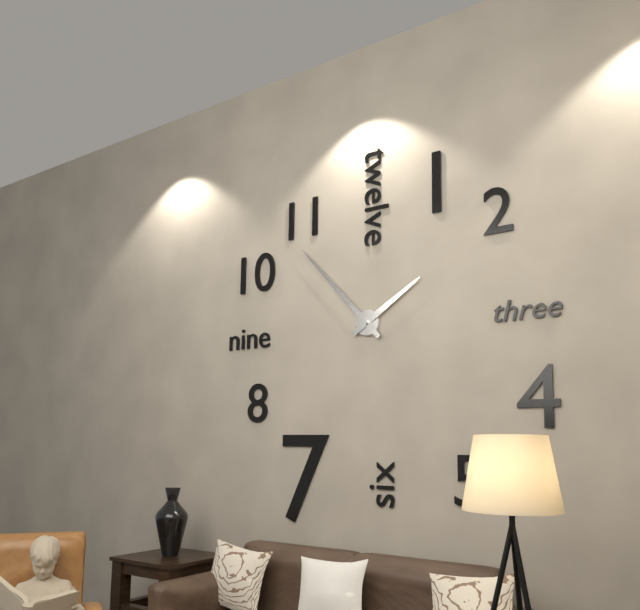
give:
1.53
